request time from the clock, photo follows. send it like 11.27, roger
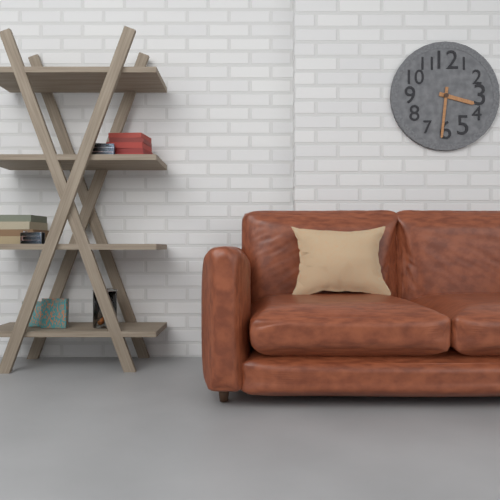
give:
3.31
